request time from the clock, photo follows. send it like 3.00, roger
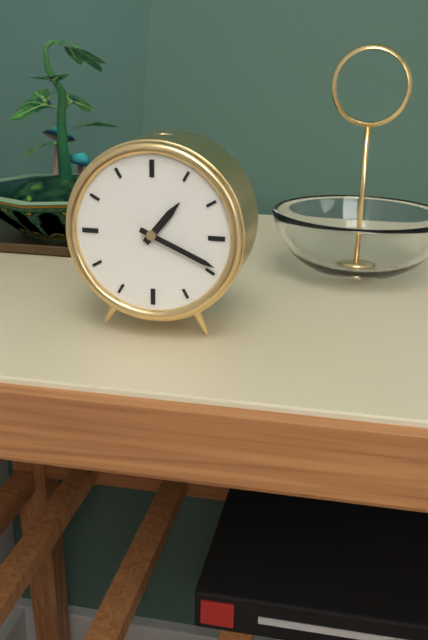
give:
1.19
